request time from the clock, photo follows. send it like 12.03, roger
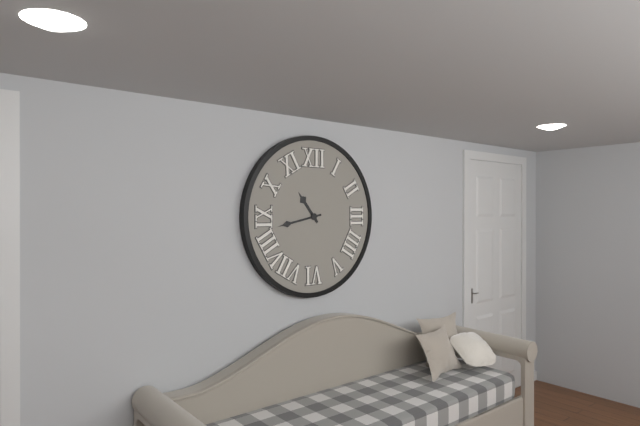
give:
10.43
